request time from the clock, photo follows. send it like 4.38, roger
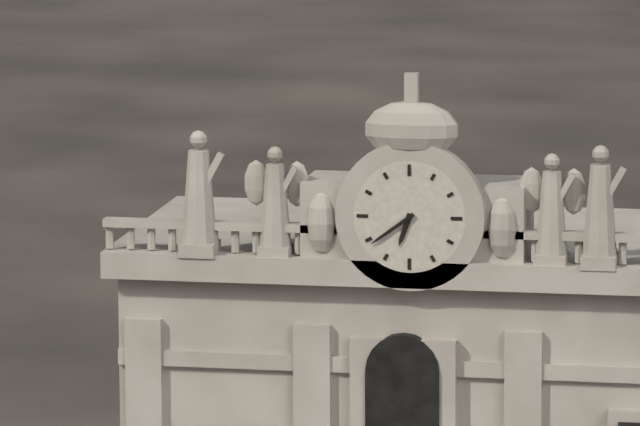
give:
6.39
